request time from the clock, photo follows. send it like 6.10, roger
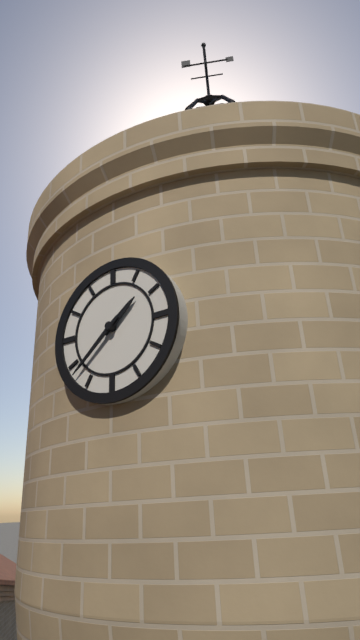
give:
1.38
